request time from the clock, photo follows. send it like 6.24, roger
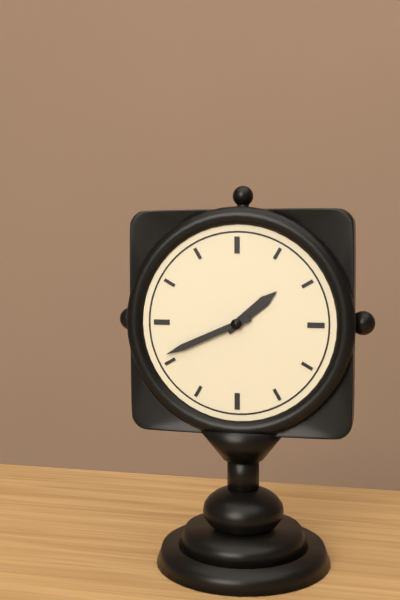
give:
1.41
